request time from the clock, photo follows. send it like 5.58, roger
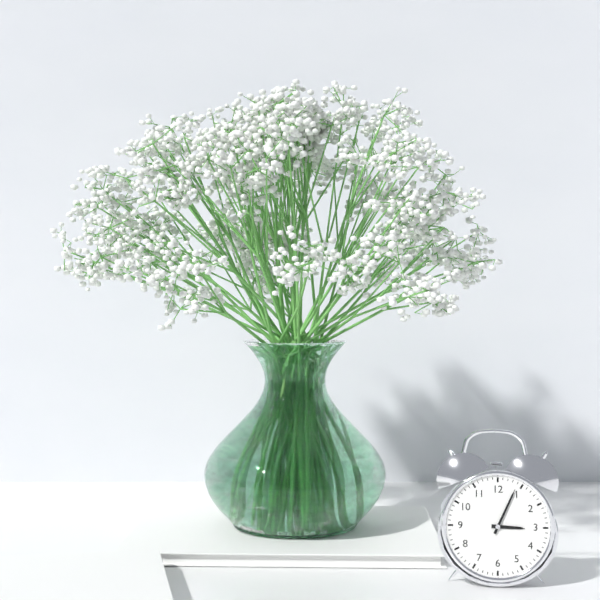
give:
3.04
